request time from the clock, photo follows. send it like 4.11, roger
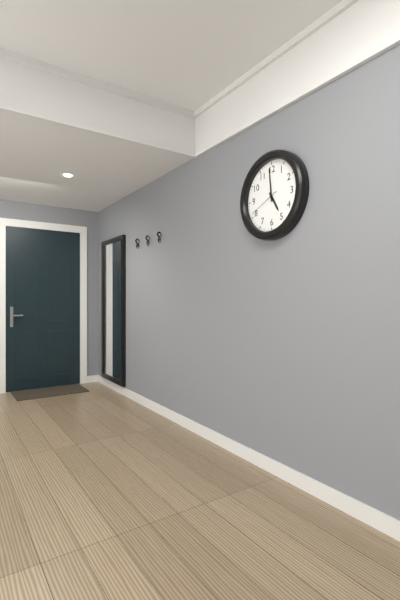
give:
4.59
